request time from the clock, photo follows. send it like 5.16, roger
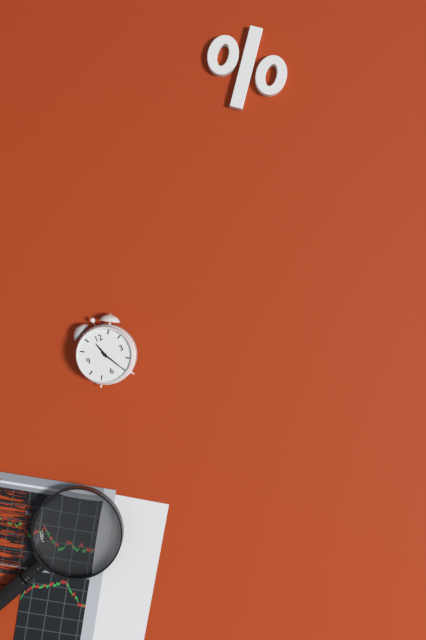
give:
11.25
